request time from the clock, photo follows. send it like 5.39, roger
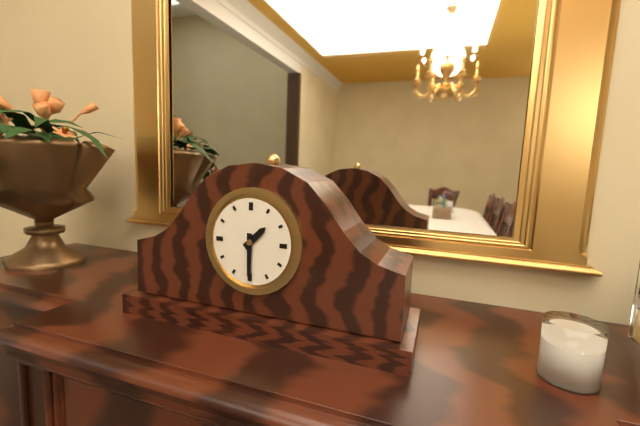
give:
1.30
